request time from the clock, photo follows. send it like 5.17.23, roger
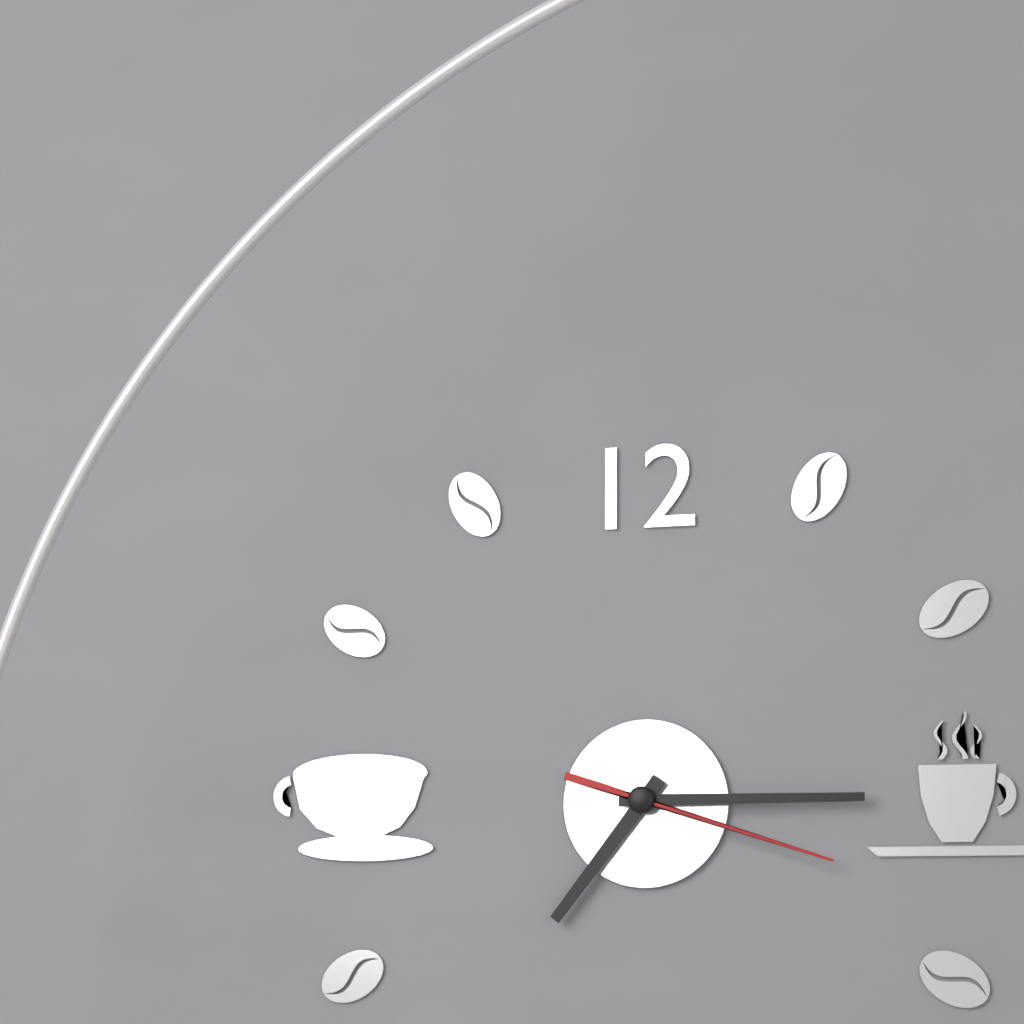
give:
7.15.18
